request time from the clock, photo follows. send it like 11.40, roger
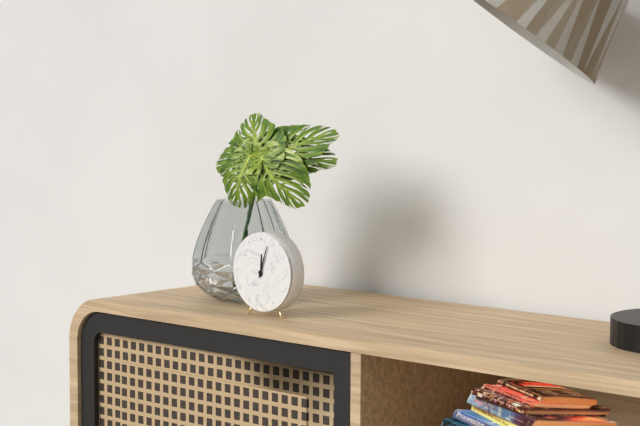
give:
12.03
